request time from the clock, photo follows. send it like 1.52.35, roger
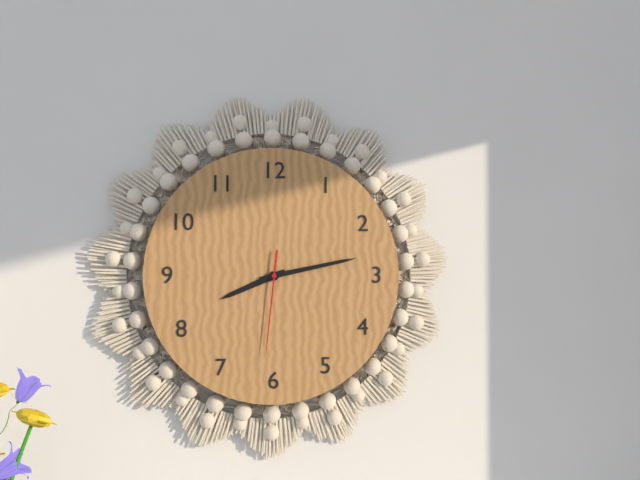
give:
8.13.31
